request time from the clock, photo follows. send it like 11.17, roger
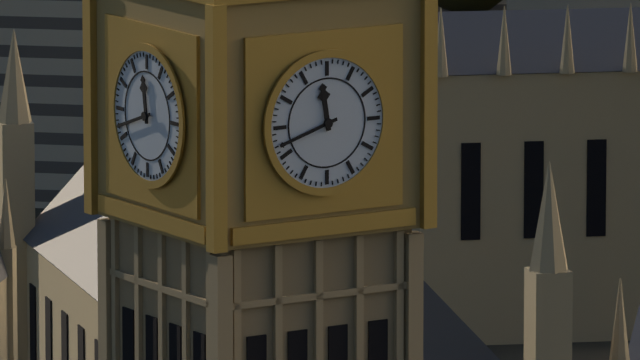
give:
11.42
